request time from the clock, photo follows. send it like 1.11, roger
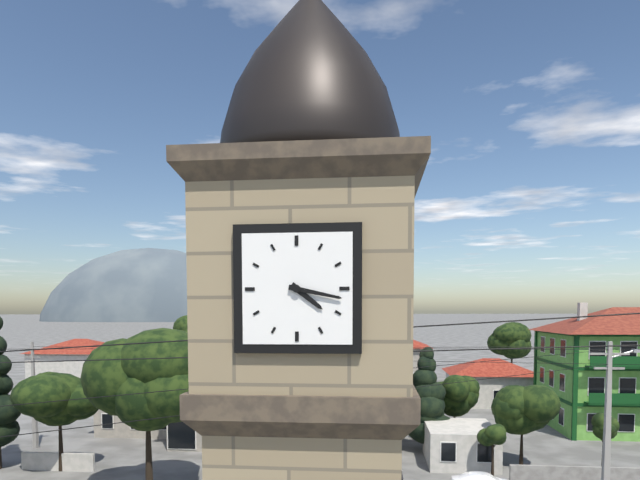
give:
4.17
